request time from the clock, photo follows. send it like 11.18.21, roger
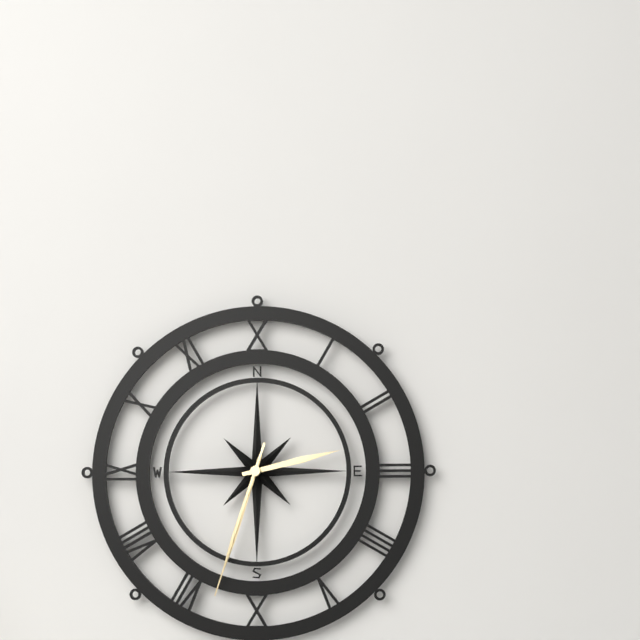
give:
2.33.33
